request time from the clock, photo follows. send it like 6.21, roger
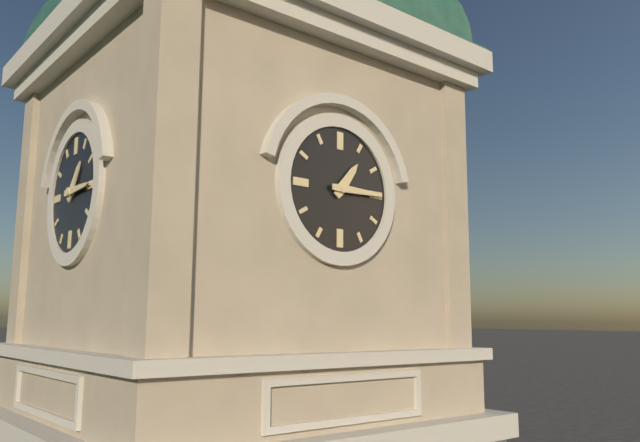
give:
1.15
